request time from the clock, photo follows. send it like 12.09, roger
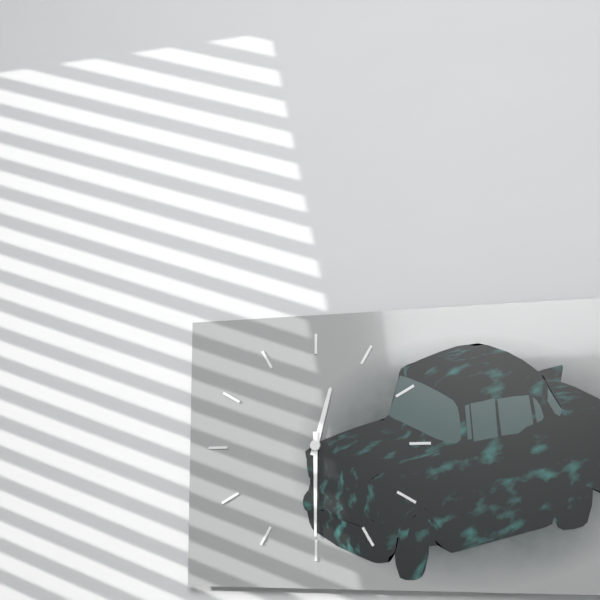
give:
12.30
